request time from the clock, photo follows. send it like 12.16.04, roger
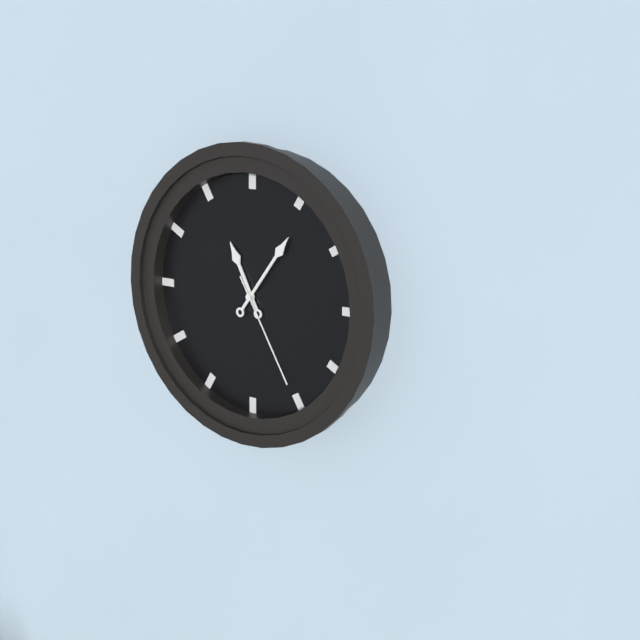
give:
11.06.25
